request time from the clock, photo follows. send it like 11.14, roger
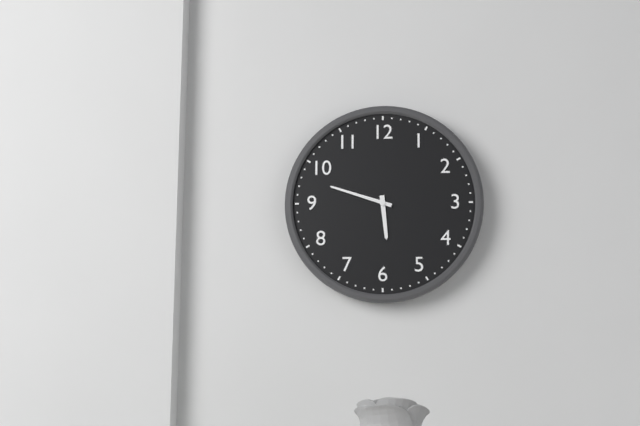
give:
5.48
